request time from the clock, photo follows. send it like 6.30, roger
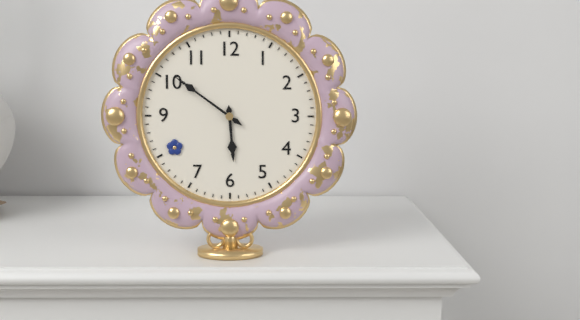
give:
5.51
